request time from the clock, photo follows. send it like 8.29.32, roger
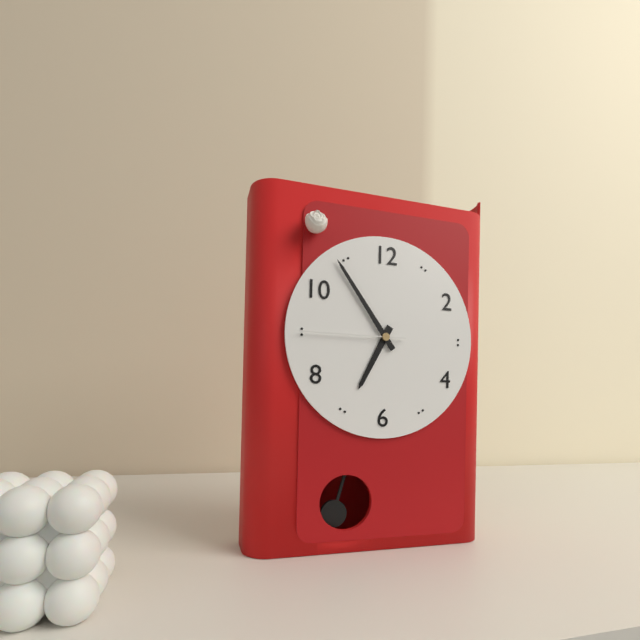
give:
6.54.45
